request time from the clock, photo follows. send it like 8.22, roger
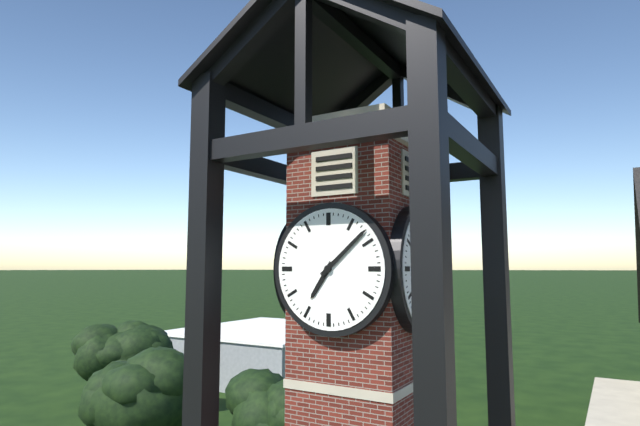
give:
7.08
